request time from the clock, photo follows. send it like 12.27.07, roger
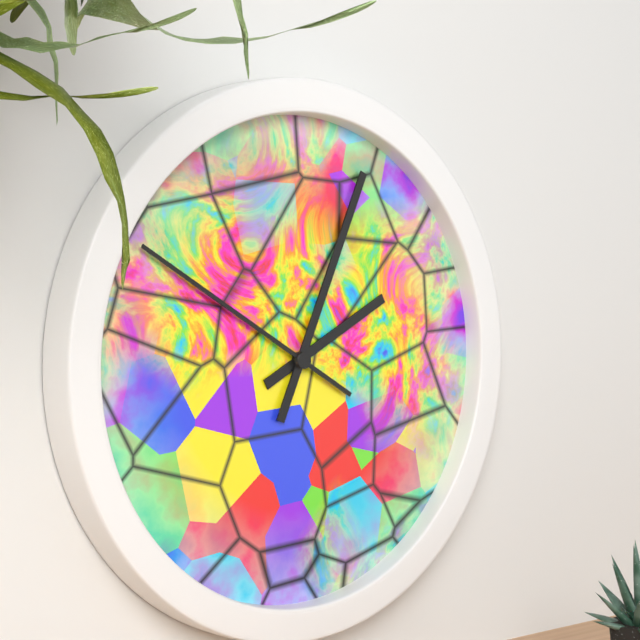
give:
2.04.50
